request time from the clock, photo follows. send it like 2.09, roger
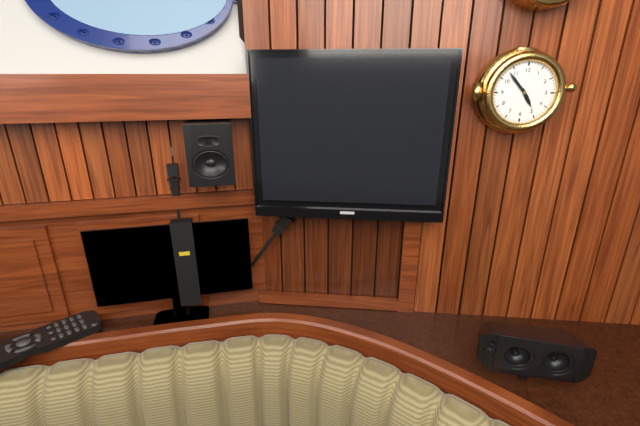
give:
4.53
